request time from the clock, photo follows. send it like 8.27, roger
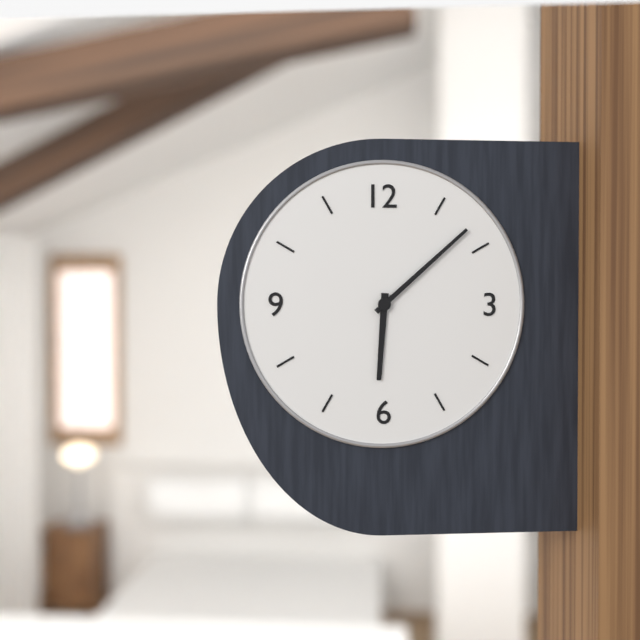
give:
6.08
